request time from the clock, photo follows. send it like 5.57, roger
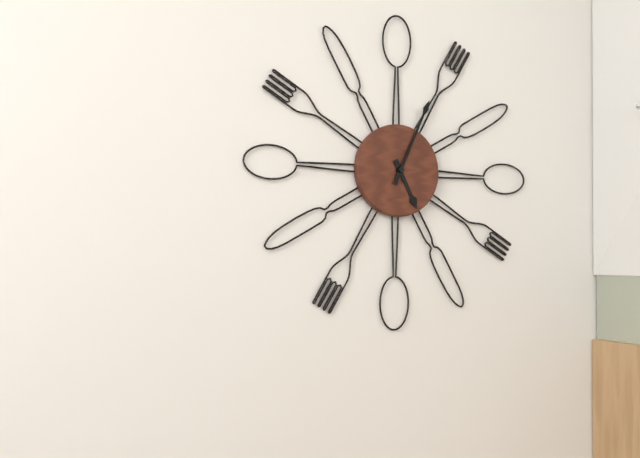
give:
5.04
